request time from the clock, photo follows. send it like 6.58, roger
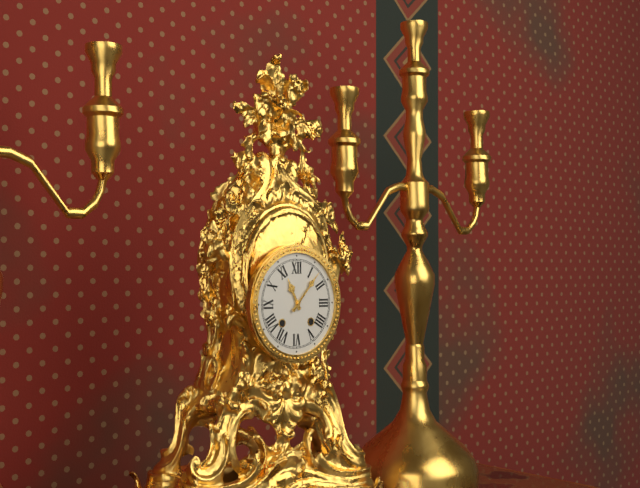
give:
11.07
